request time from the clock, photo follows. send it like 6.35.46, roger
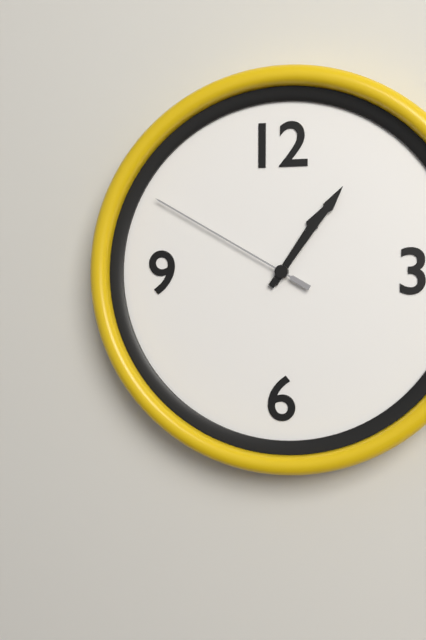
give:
1.06.50
